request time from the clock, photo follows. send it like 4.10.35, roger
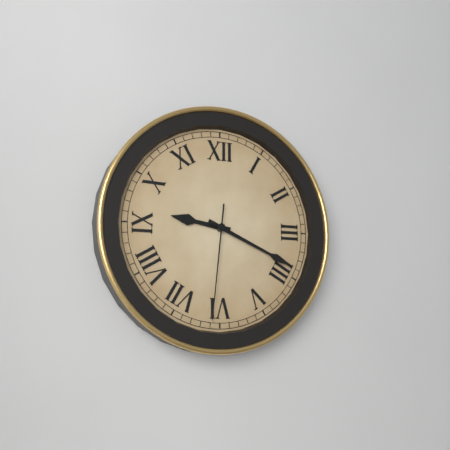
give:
9.19.31
